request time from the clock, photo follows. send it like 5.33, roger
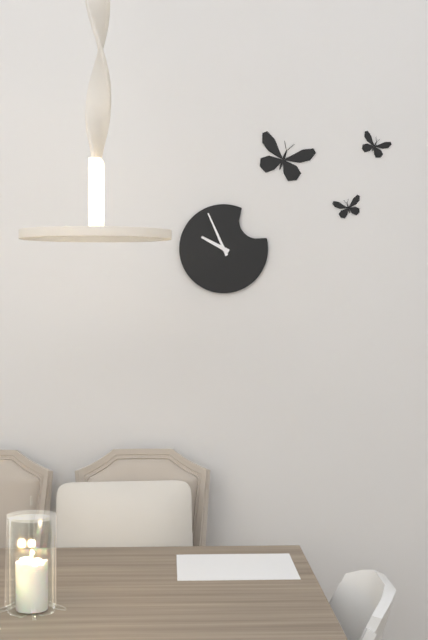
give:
9.56
